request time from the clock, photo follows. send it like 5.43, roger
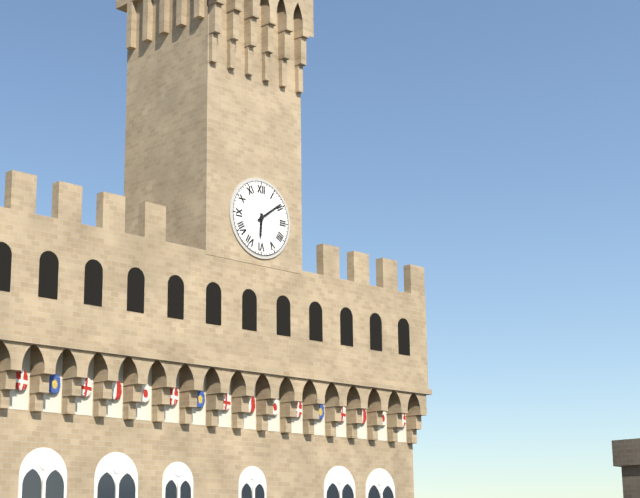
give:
6.09
